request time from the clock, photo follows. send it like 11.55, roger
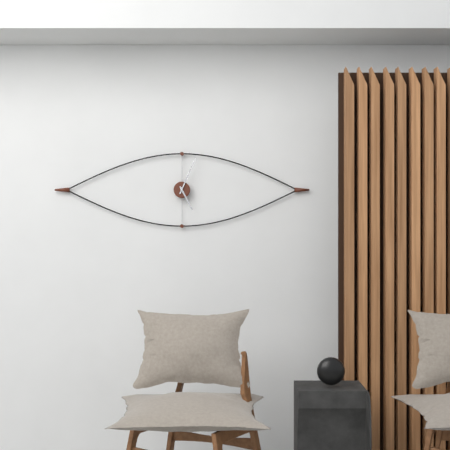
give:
5.04
